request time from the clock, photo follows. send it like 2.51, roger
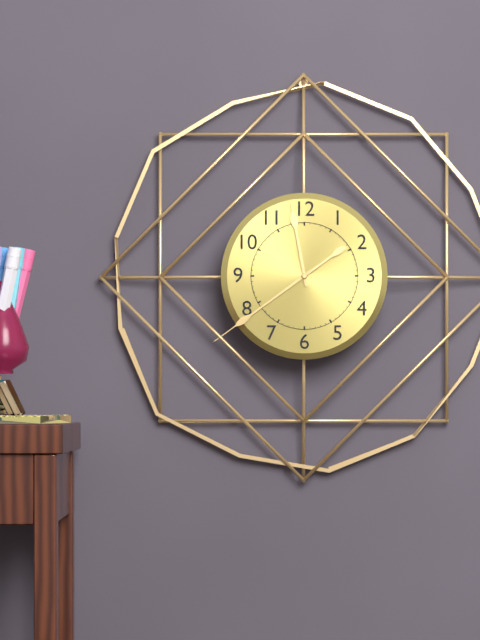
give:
11.39
